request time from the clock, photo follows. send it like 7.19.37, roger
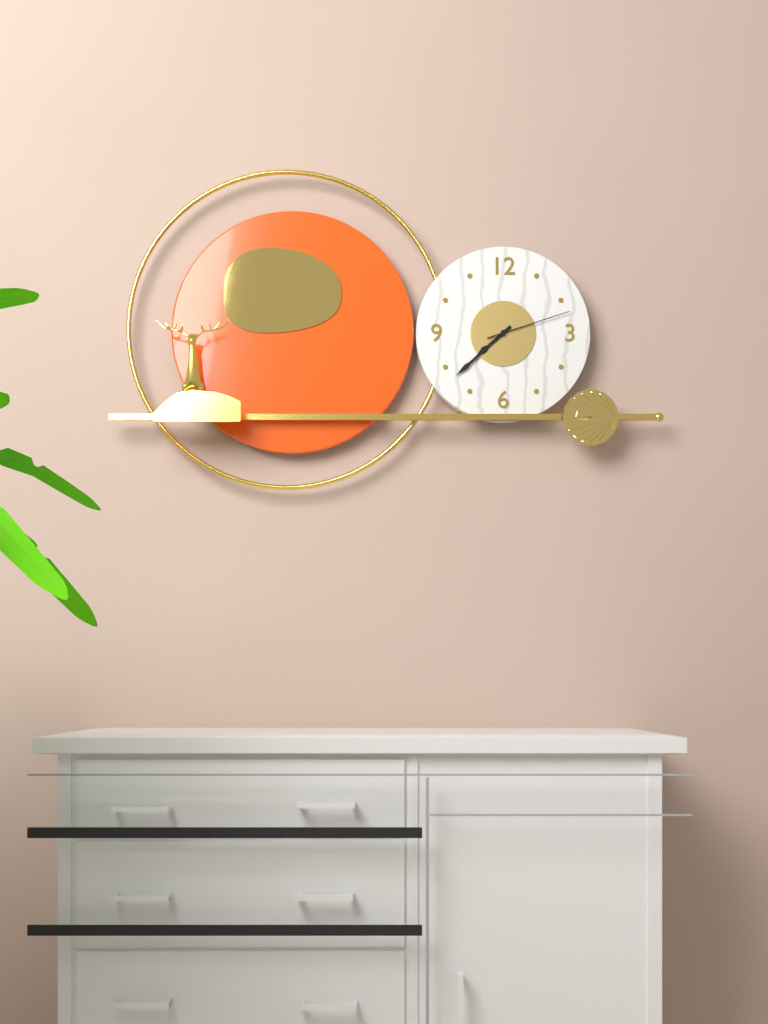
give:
7.38.12
